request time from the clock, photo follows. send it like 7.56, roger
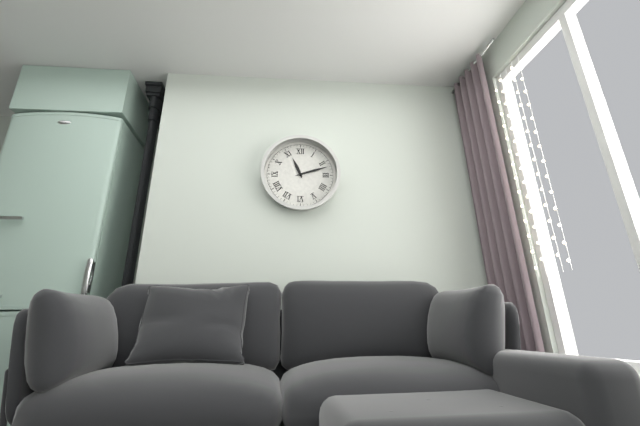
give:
11.12
